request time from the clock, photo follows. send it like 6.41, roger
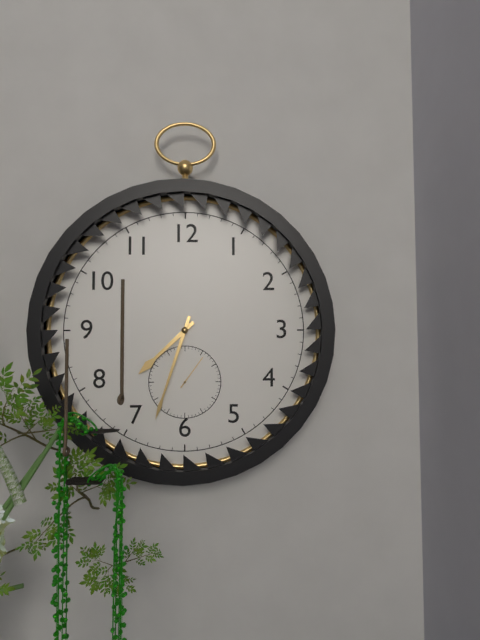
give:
7.33
